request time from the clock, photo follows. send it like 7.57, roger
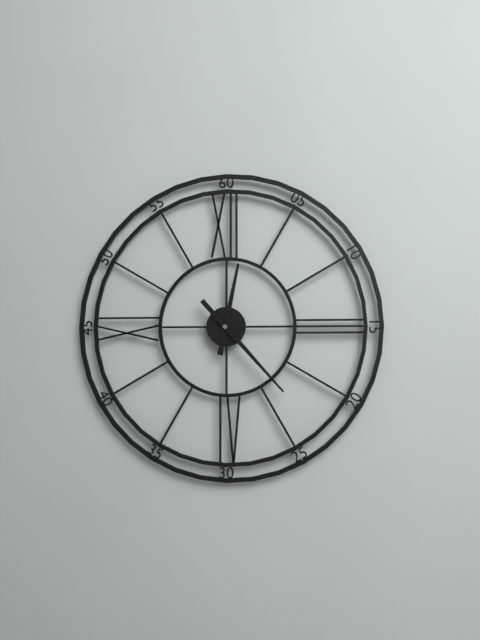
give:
12.23
